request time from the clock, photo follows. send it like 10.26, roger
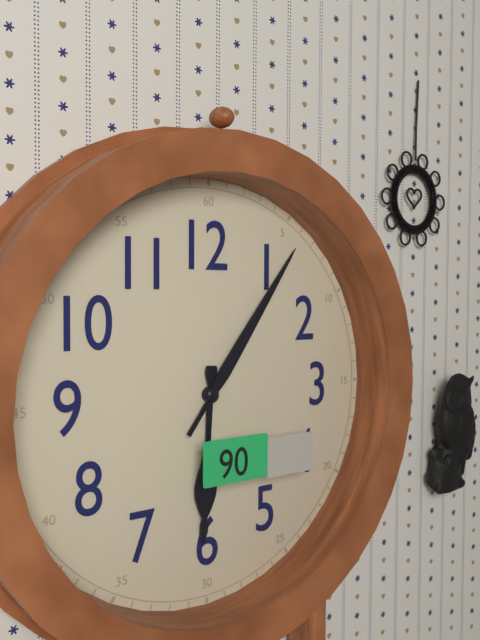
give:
6.06
